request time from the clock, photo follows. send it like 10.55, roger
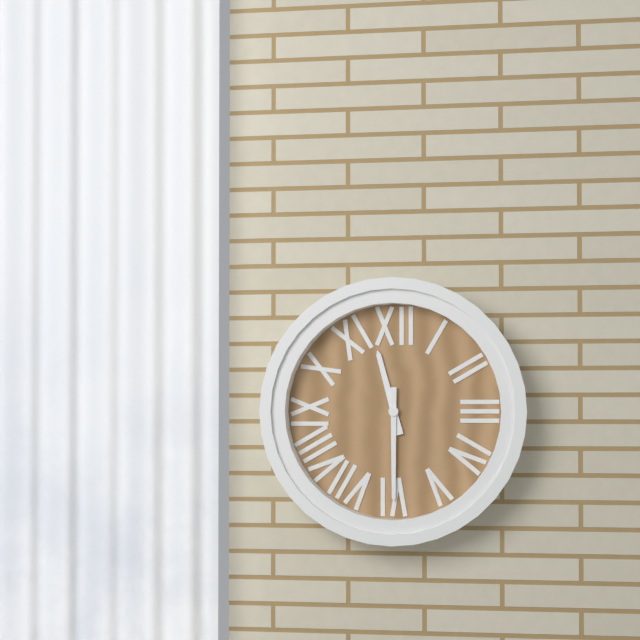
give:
11.30
